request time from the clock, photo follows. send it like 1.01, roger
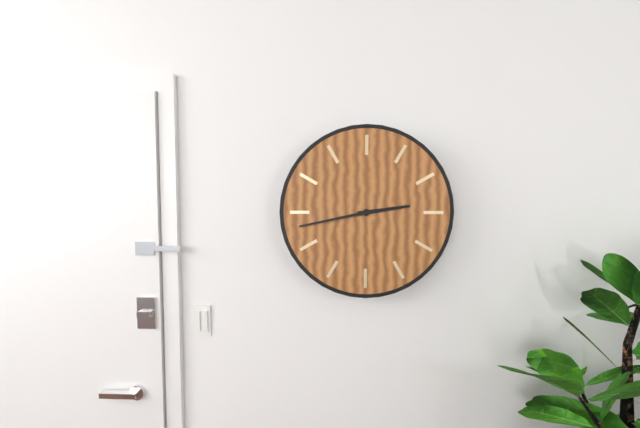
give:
2.43
